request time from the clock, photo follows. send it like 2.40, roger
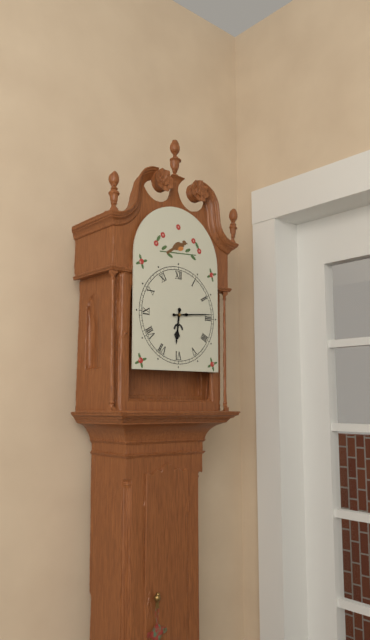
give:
6.14
